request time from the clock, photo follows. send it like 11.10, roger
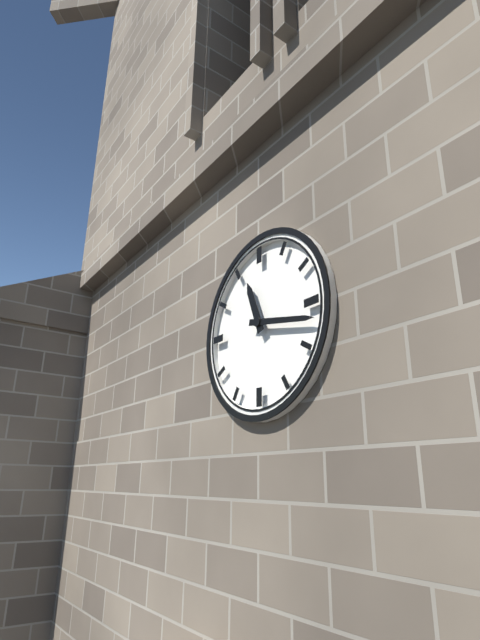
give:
11.17
